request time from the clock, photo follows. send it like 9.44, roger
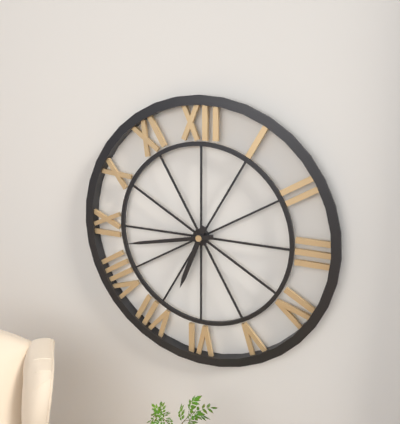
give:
6.43
